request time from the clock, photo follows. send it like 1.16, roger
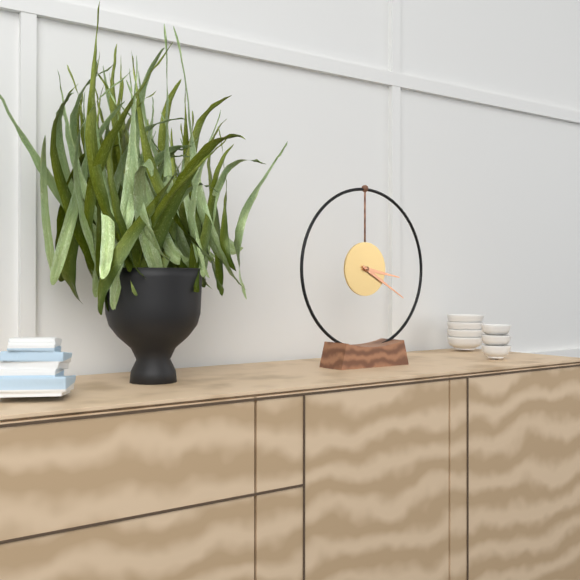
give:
3.20
